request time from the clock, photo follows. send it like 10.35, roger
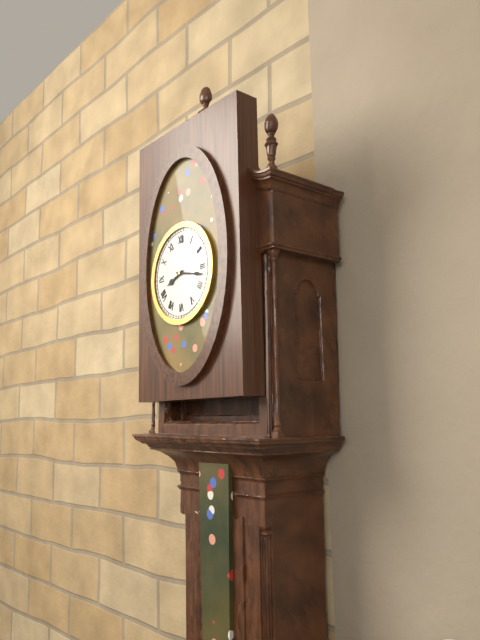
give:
8.17
